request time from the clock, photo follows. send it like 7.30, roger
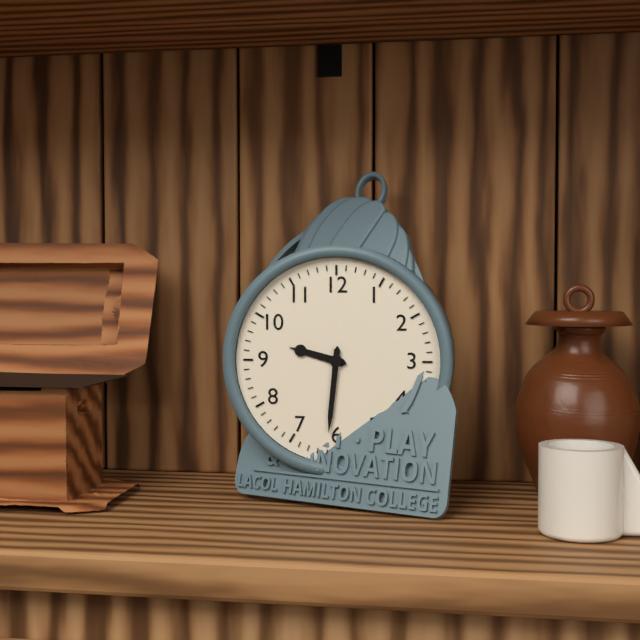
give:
9.31
